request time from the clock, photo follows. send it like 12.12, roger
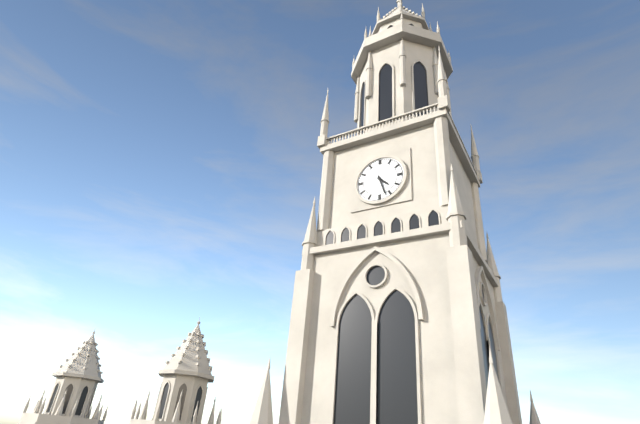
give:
4.27
